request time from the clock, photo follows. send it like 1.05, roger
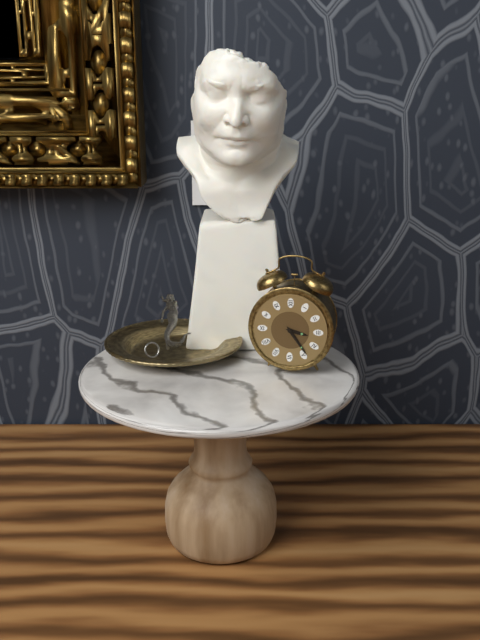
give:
3.24
